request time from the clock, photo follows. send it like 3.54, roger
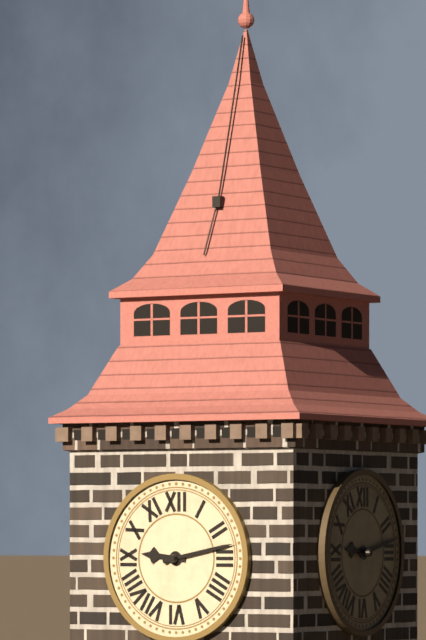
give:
9.13
